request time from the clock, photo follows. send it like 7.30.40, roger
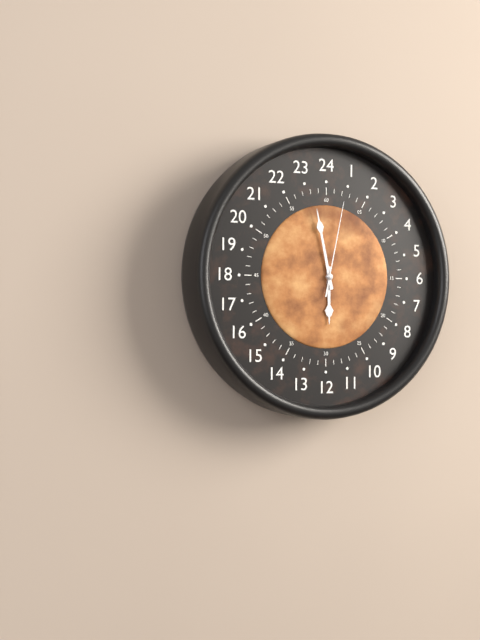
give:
5.58.02
